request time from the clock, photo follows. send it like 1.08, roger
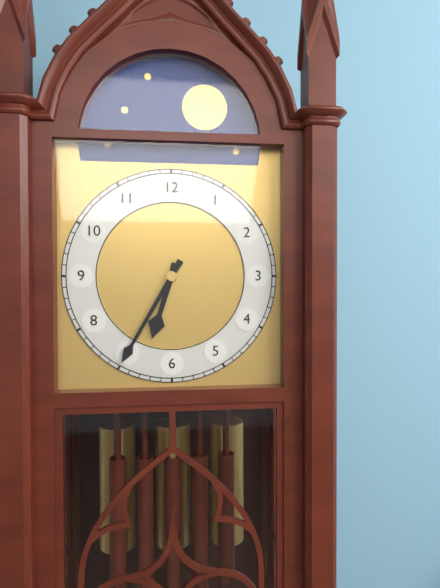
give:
6.35
